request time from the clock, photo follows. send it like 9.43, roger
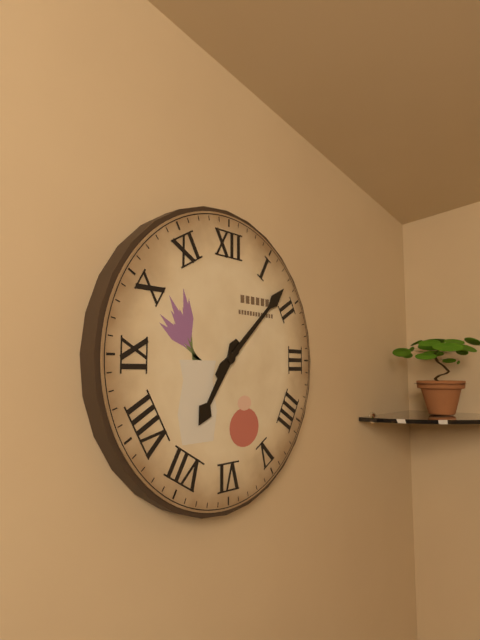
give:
7.08
